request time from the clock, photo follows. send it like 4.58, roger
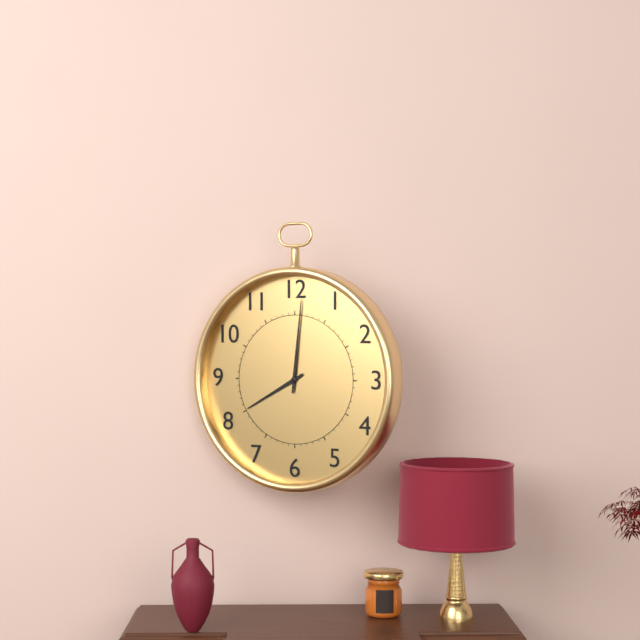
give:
8.01
